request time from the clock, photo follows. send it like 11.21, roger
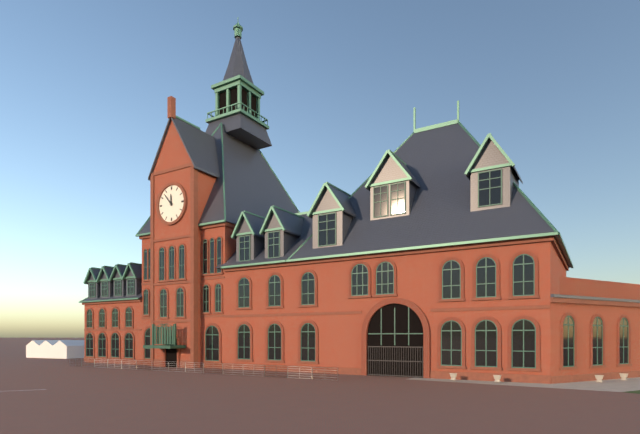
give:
11.53
